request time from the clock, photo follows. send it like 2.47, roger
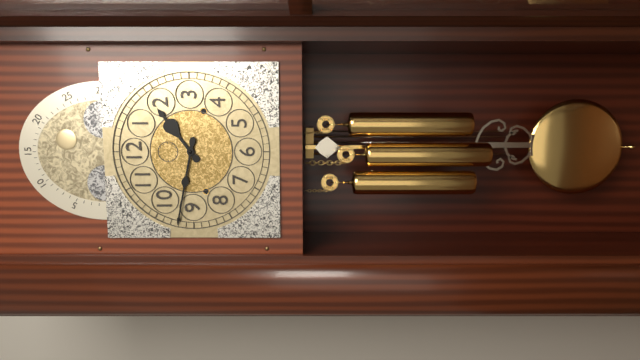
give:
1.47
